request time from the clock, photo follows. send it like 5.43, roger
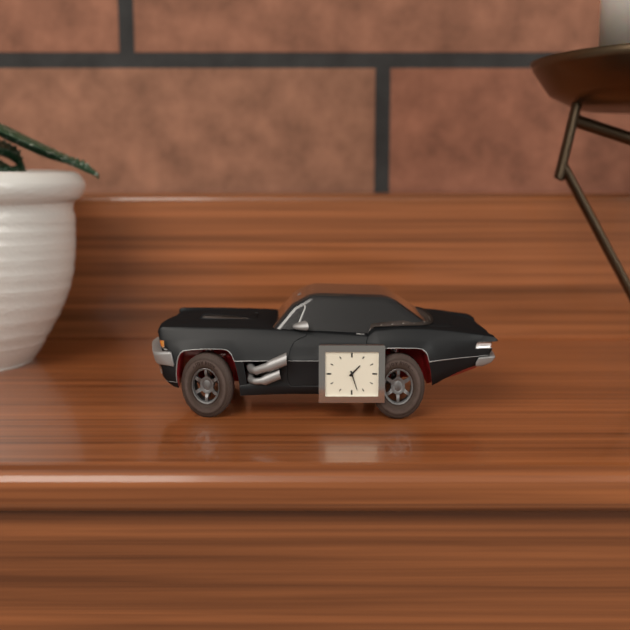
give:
1.27
